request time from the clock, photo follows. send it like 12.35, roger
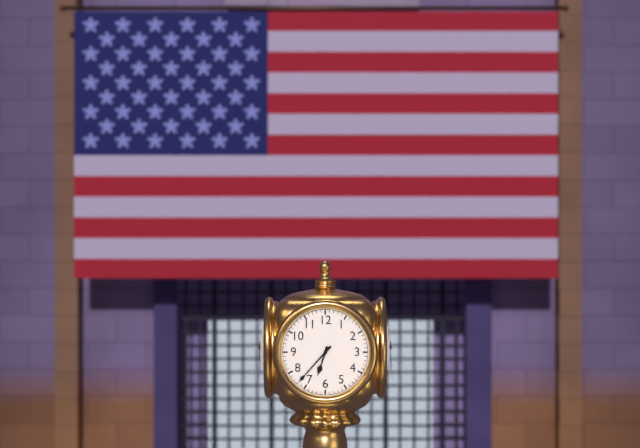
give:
6.37
